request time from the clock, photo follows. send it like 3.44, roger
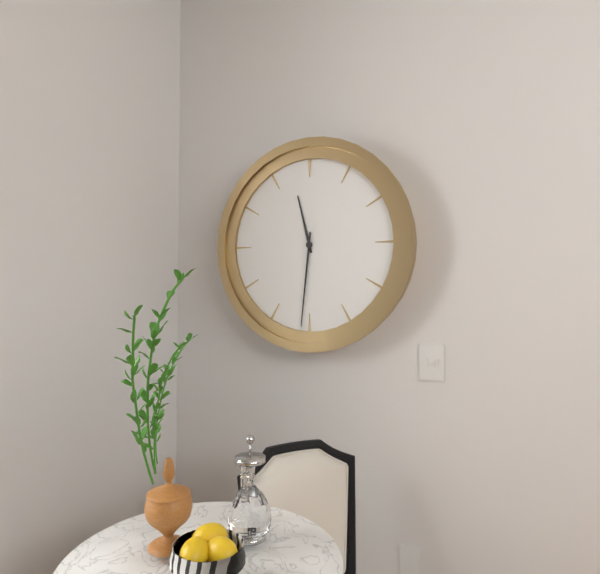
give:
11.31
